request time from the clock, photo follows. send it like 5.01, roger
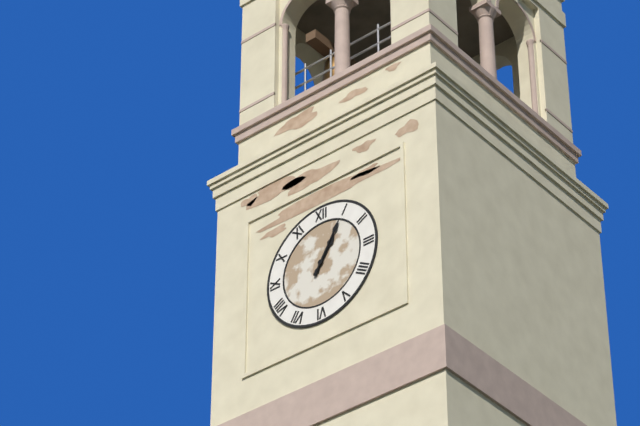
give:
1.05
